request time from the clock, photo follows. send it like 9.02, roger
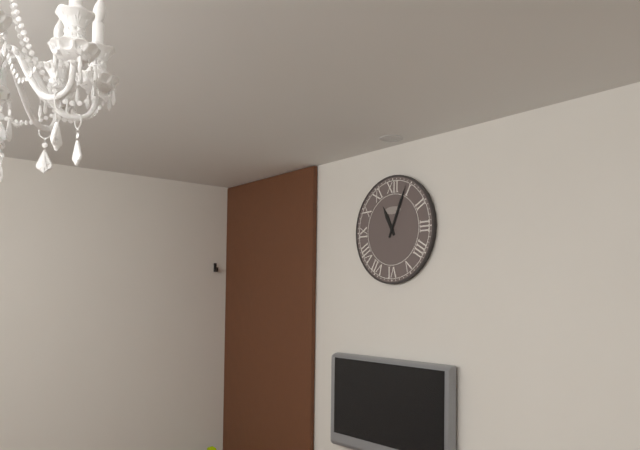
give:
11.04
